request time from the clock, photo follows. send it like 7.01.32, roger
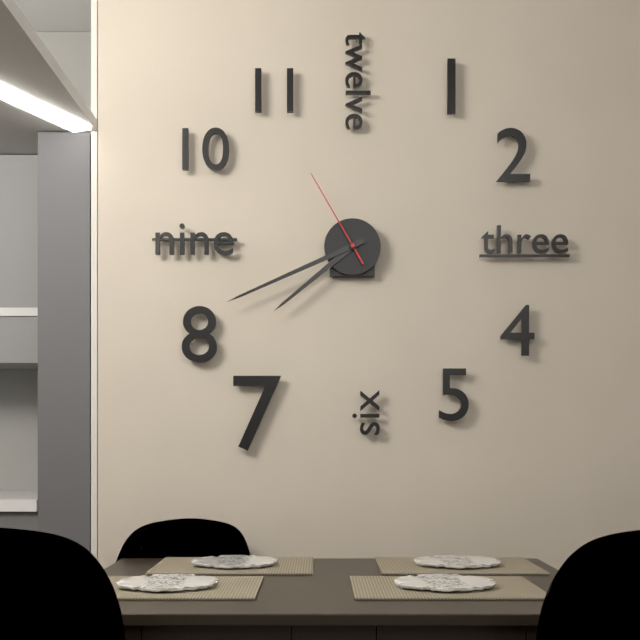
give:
7.41.55
